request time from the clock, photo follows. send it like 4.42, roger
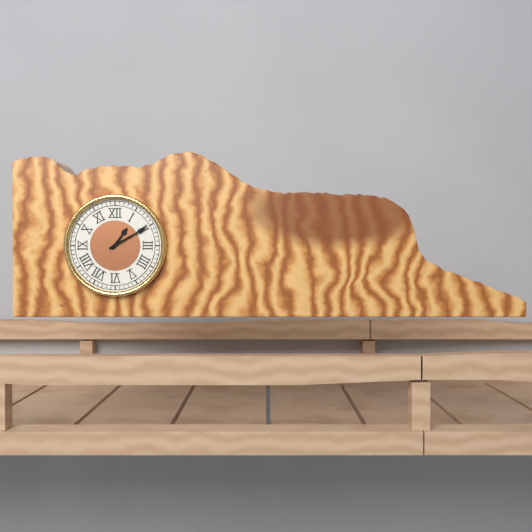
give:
1.10
